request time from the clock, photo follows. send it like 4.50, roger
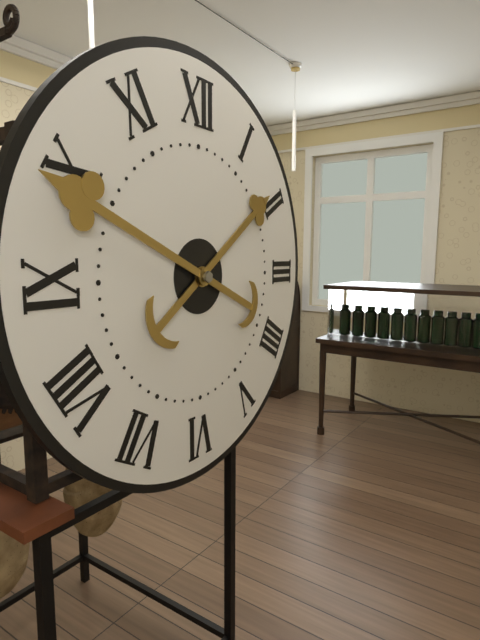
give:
1.49
